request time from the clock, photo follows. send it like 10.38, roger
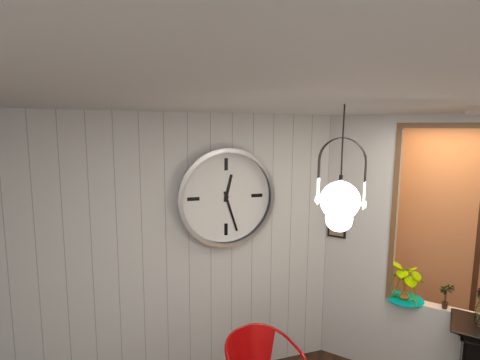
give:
12.27
